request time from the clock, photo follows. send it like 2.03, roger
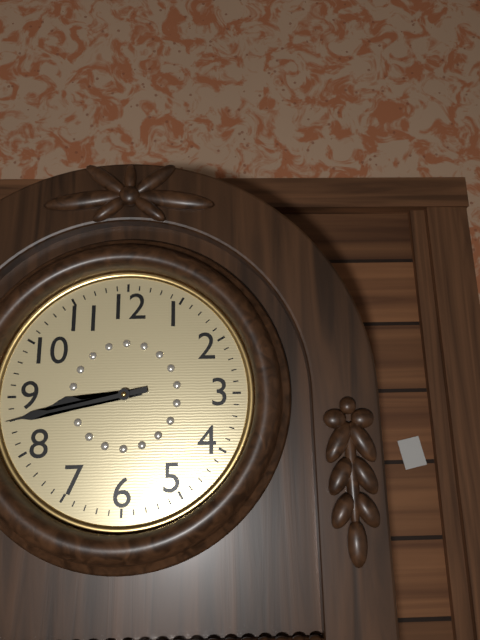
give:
8.43
